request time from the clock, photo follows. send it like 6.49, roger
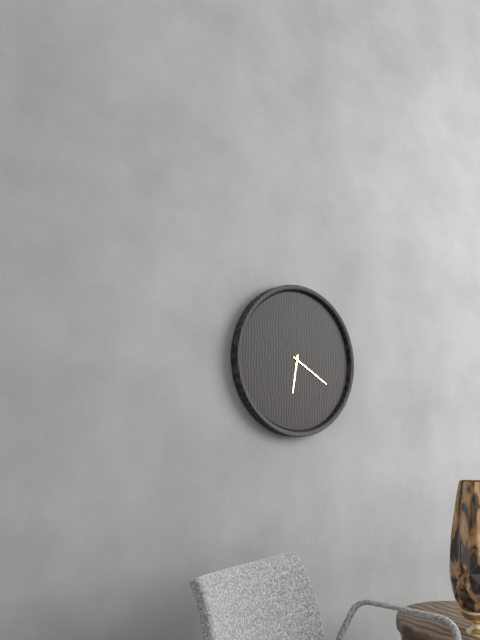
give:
6.20
